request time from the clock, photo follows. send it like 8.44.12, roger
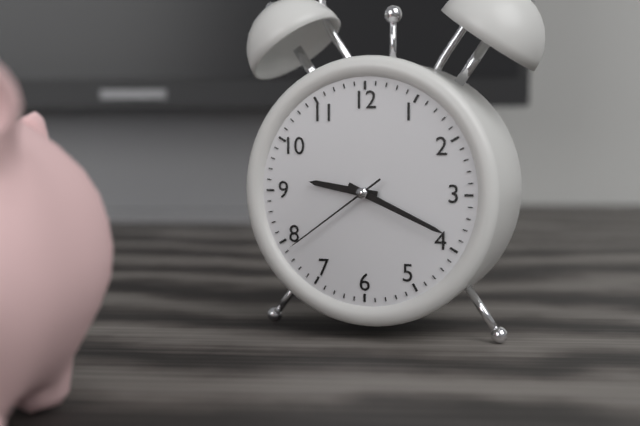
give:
9.19.39
